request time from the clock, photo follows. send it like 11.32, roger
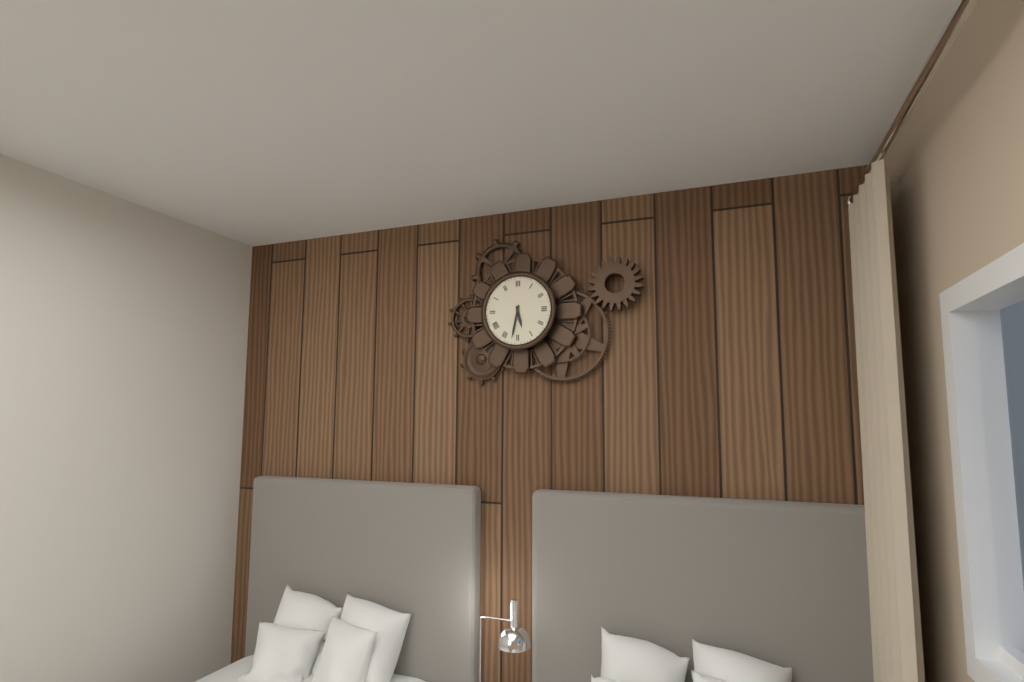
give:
5.32
